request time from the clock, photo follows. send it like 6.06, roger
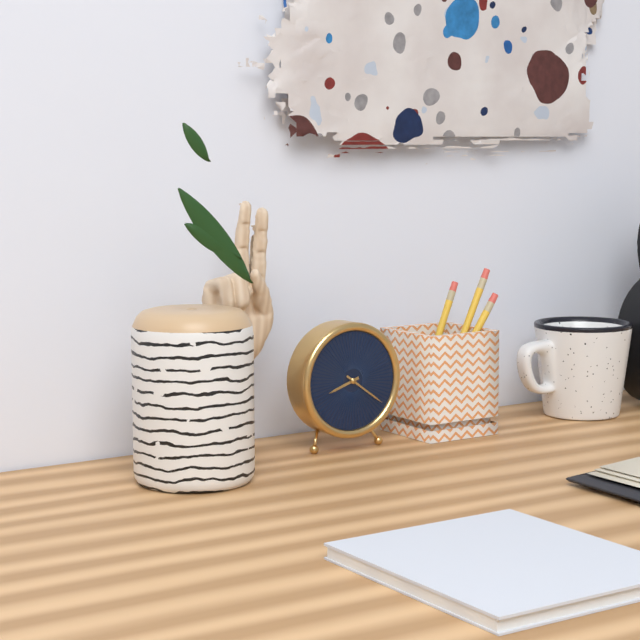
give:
8.21
